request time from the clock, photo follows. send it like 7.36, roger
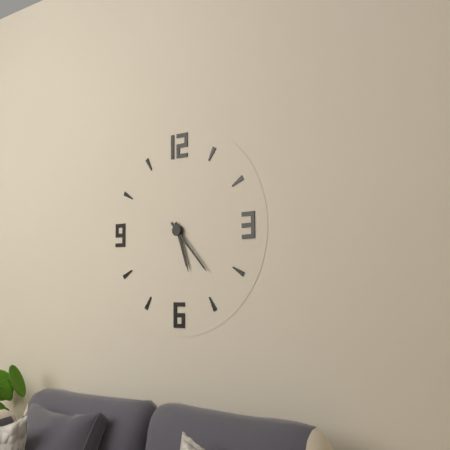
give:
5.23
